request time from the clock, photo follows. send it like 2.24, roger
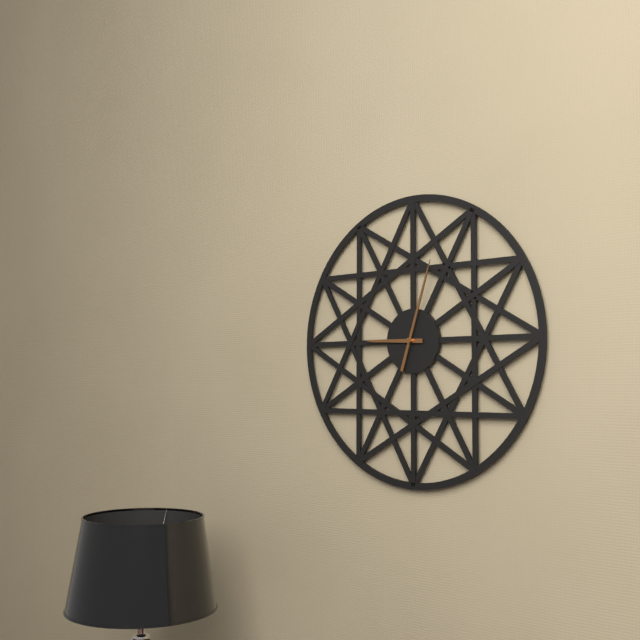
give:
9.03
